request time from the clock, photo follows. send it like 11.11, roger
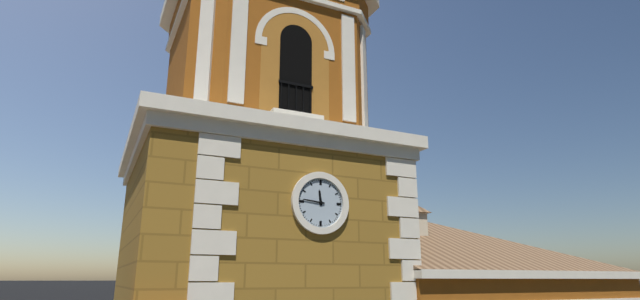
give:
11.46
